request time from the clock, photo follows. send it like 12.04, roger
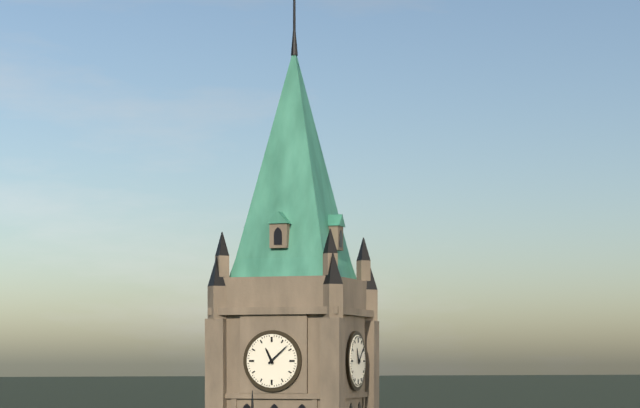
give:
11.08
